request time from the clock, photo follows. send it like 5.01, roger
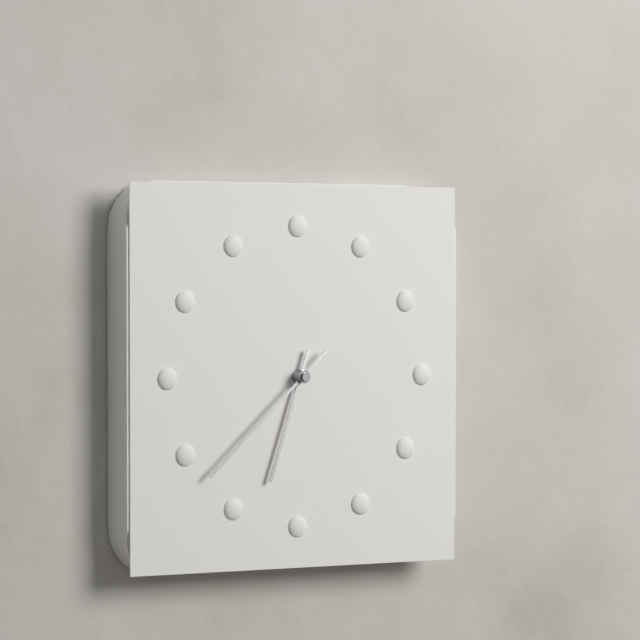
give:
6.38
